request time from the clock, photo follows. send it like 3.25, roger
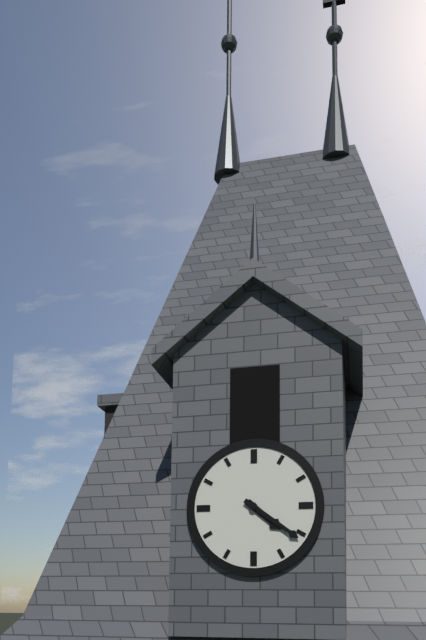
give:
4.21
